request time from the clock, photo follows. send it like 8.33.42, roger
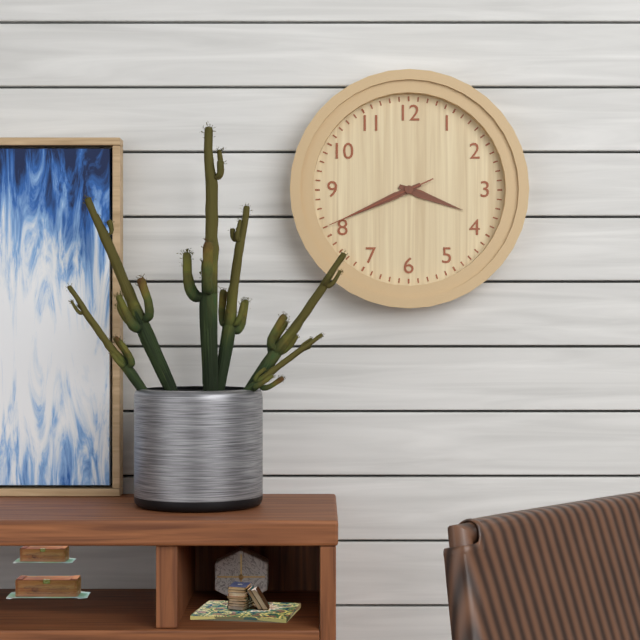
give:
3.41.41
